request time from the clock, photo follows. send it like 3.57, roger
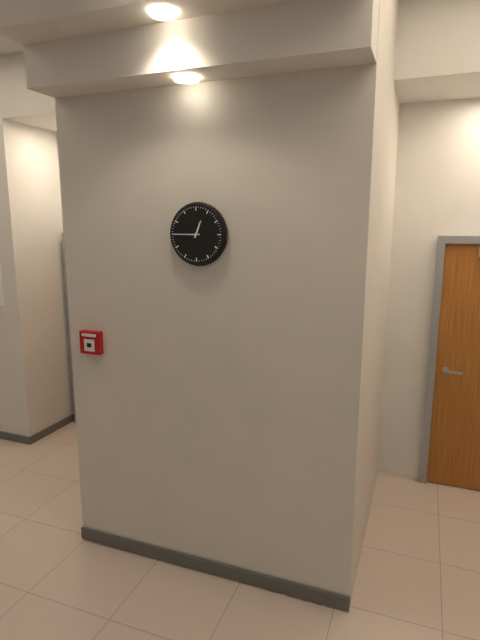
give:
12.45
